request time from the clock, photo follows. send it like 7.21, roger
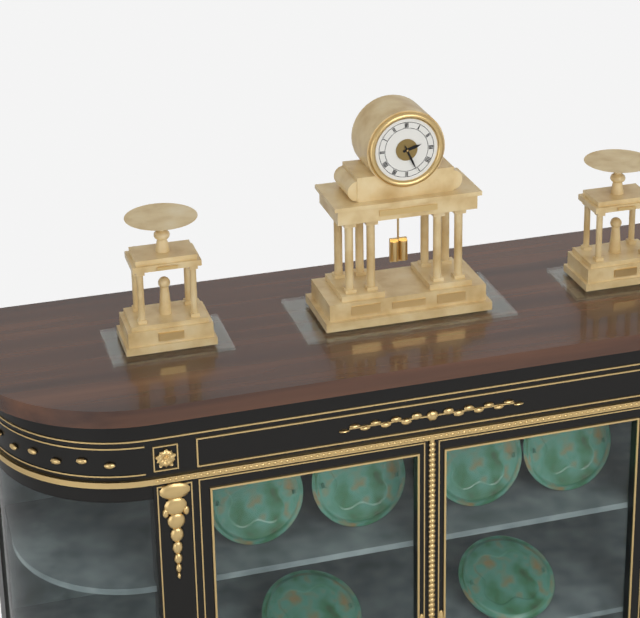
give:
2.26
